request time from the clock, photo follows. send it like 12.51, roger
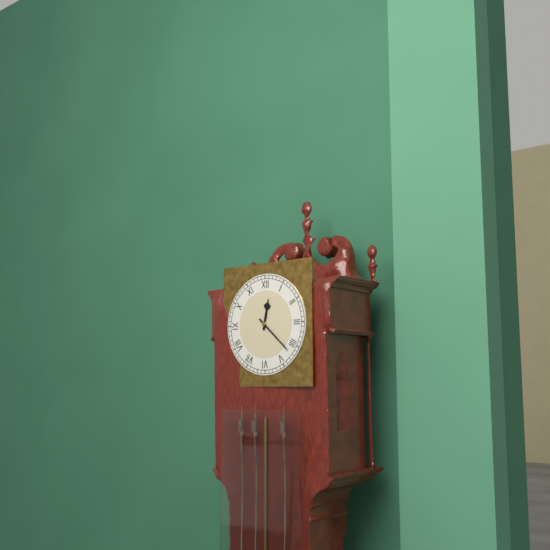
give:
12.22
